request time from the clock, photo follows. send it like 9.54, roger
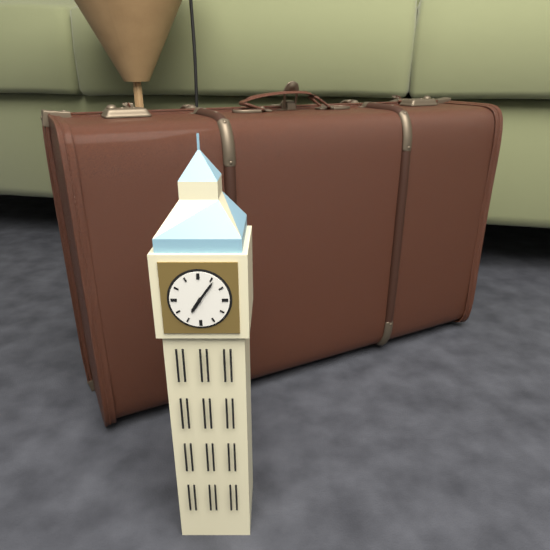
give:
7.06
